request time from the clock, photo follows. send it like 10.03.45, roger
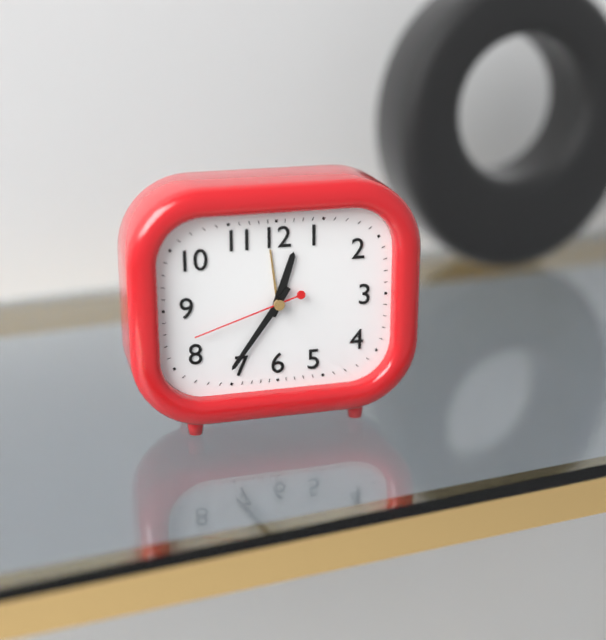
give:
12.36.42
